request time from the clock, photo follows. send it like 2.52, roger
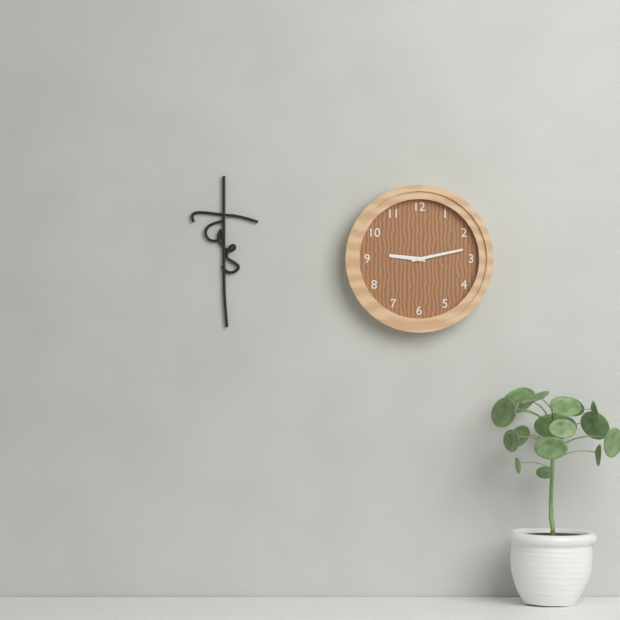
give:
9.13
